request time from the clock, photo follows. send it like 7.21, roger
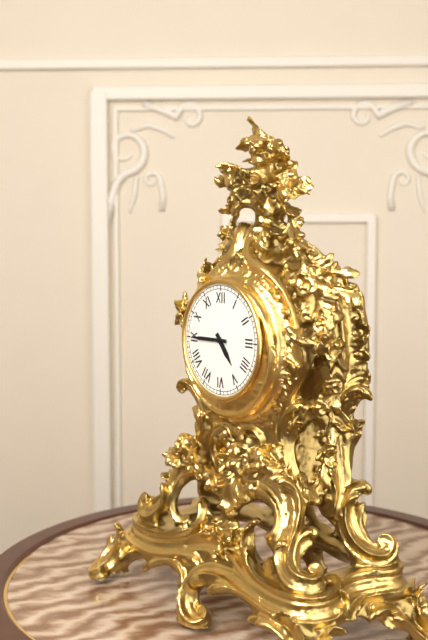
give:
4.45
